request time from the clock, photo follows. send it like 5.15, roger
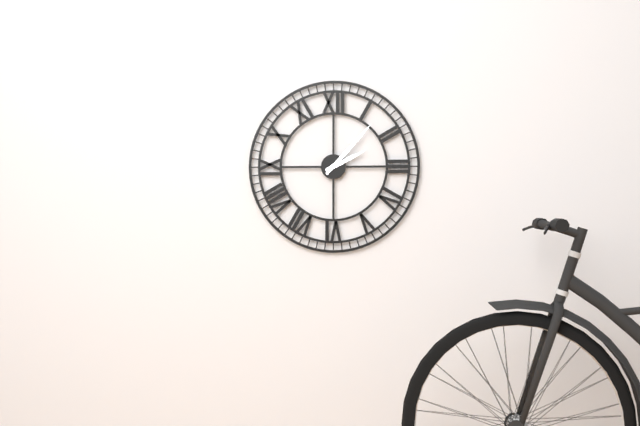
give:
2.07
